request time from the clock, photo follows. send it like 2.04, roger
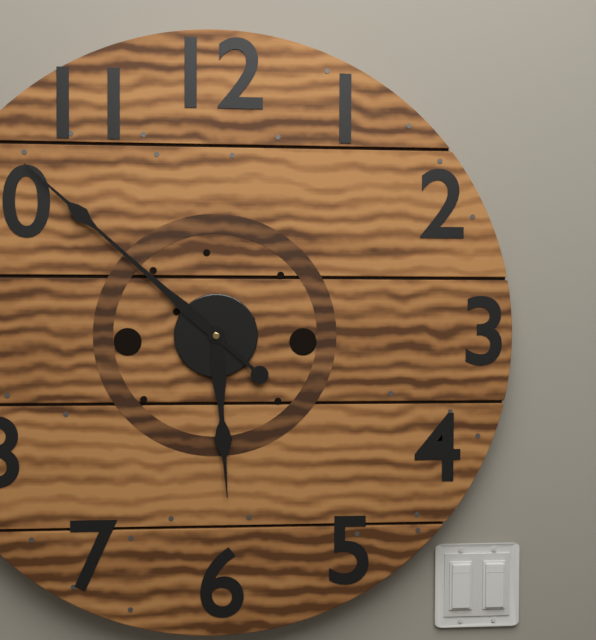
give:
5.52
